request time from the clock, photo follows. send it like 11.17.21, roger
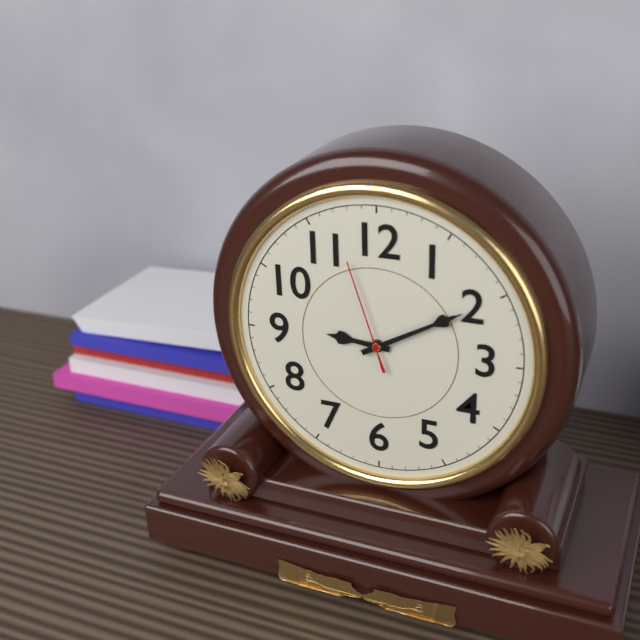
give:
9.10.57
